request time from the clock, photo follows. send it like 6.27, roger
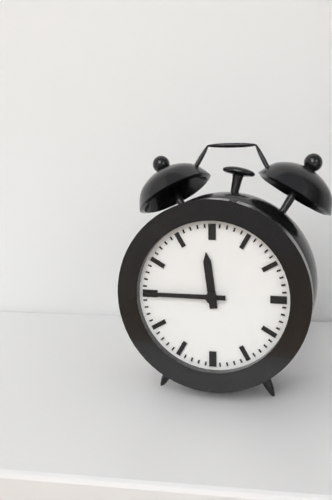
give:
11.45
